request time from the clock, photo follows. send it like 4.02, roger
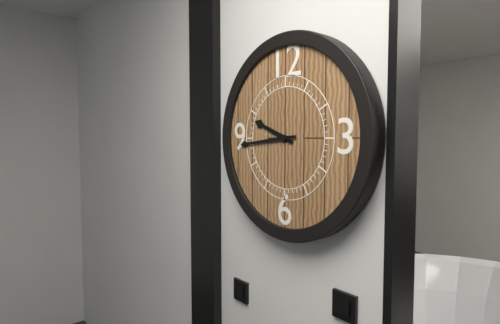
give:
9.44
